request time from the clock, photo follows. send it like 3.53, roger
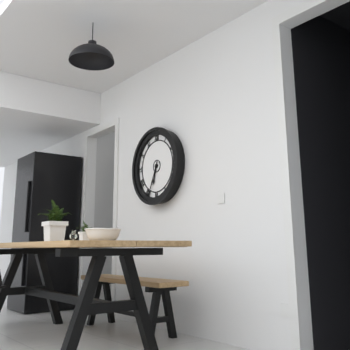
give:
6.34
